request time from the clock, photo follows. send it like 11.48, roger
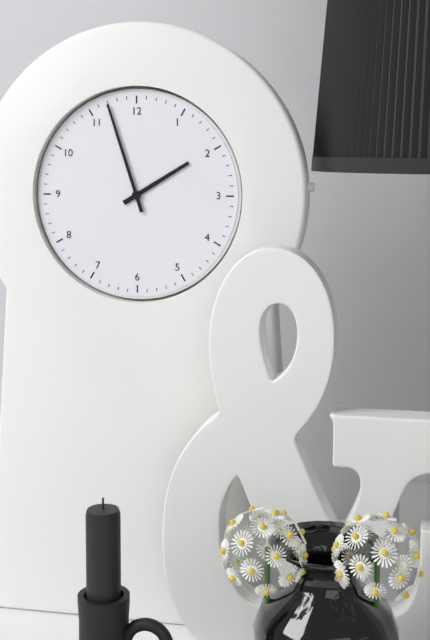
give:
1.57
